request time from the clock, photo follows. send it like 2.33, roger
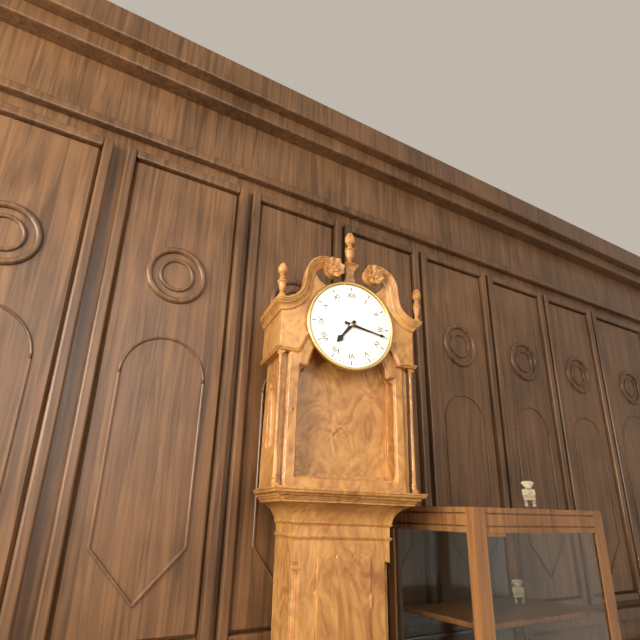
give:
7.17
